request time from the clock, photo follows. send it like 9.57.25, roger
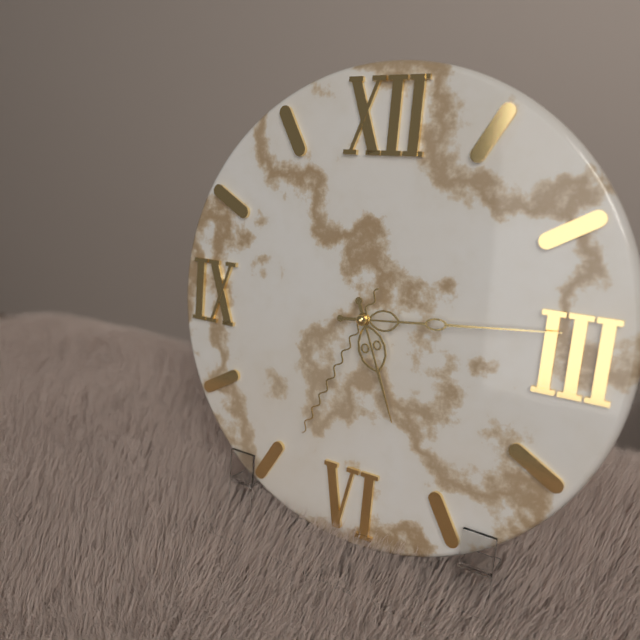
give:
5.14.34
